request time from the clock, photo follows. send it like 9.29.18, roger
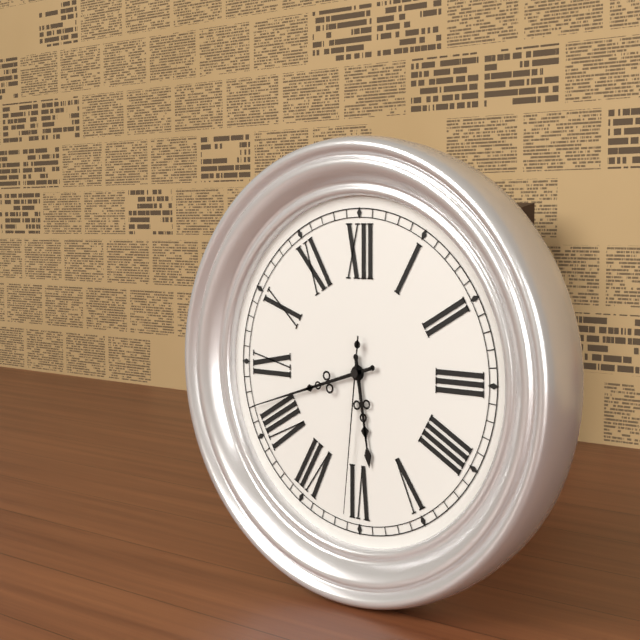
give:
5.42.31
